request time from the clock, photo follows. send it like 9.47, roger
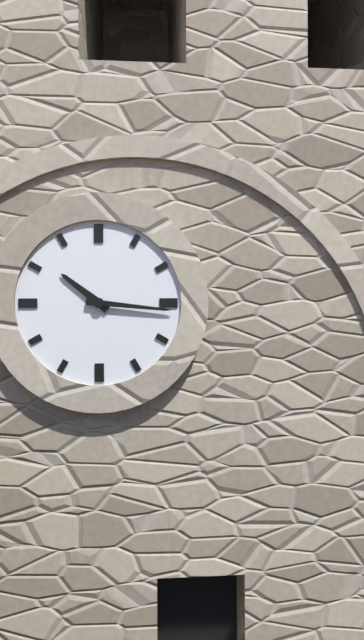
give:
10.16
